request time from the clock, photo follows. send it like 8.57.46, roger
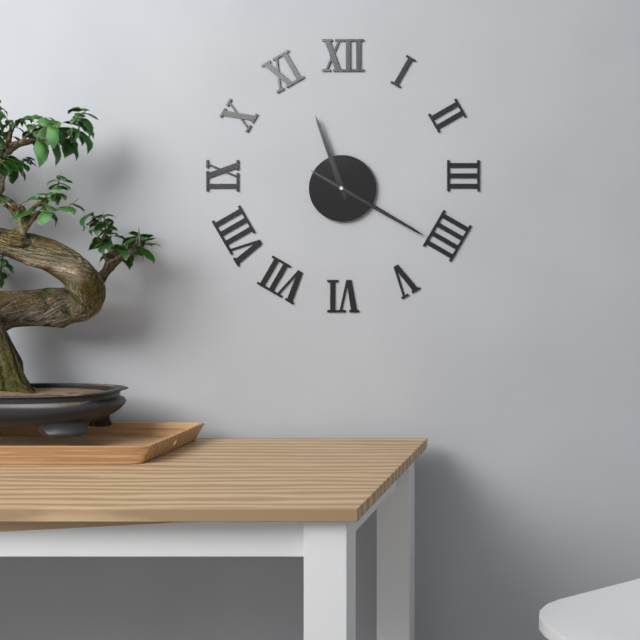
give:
11.20.20
